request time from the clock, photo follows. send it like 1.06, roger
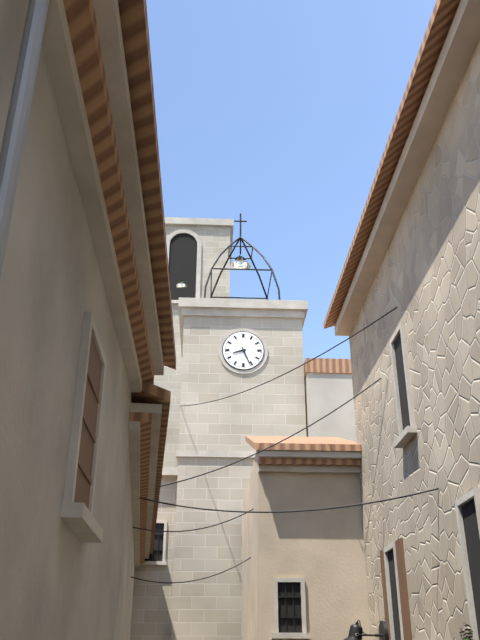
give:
8.26
